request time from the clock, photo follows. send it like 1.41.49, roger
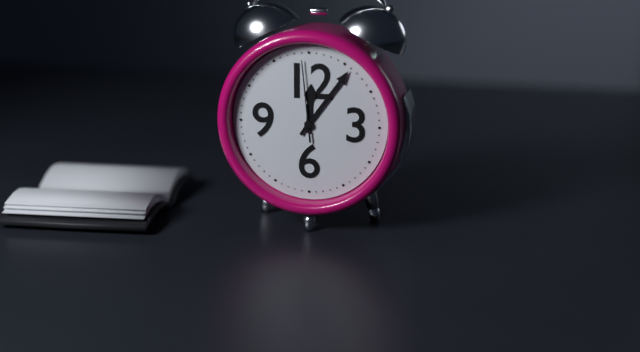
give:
12.06.59
